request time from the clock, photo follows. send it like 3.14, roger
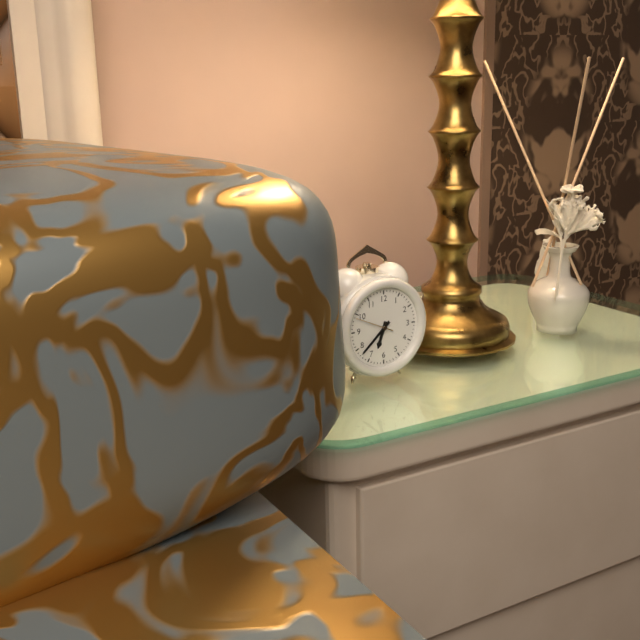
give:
6.38
